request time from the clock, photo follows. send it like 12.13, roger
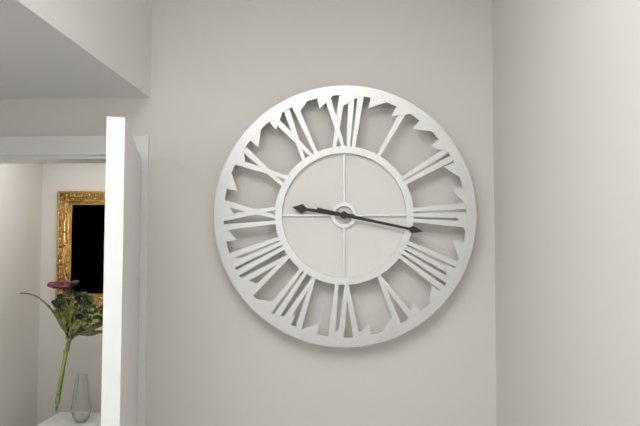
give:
9.17
